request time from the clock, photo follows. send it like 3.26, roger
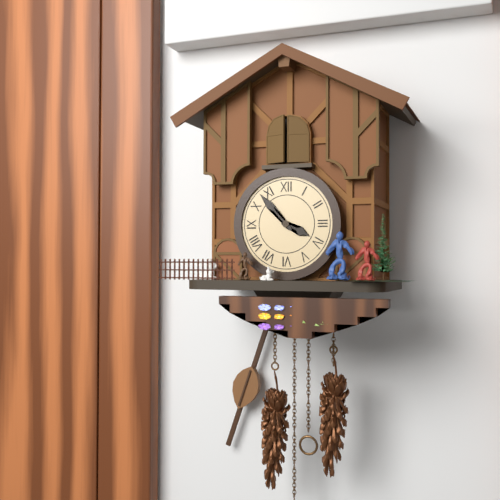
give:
3.53
